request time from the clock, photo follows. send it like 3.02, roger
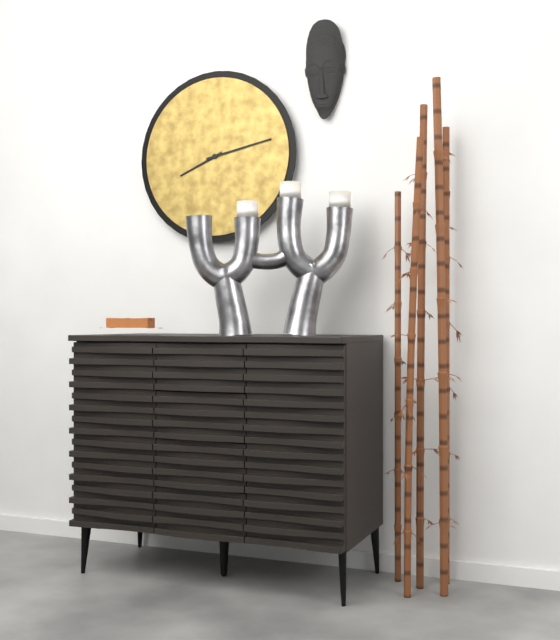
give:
8.13
